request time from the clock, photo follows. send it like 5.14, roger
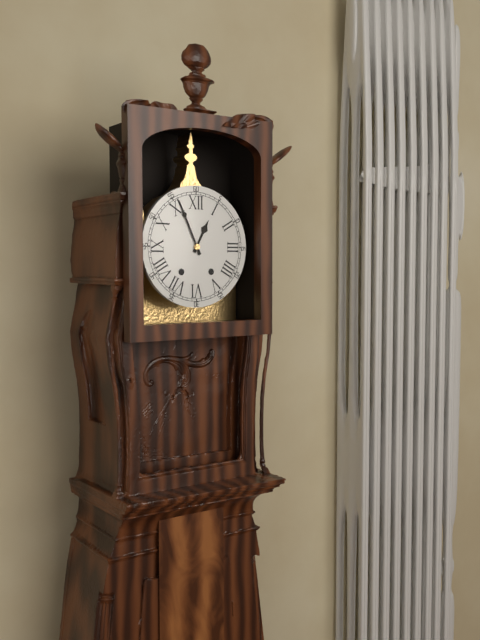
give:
12.56
